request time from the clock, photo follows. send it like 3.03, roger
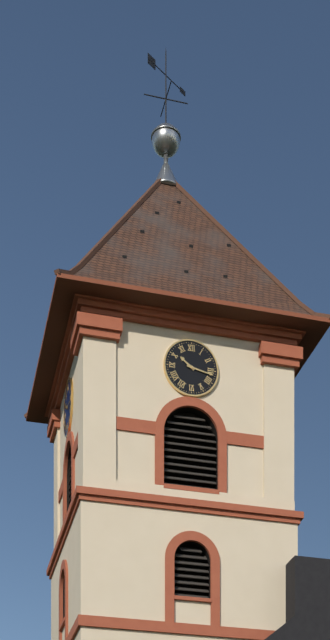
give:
10.17
